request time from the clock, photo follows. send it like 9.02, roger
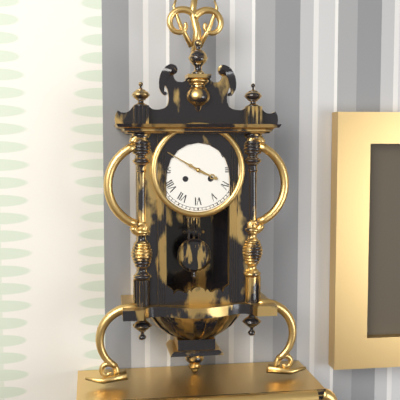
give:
3.50
